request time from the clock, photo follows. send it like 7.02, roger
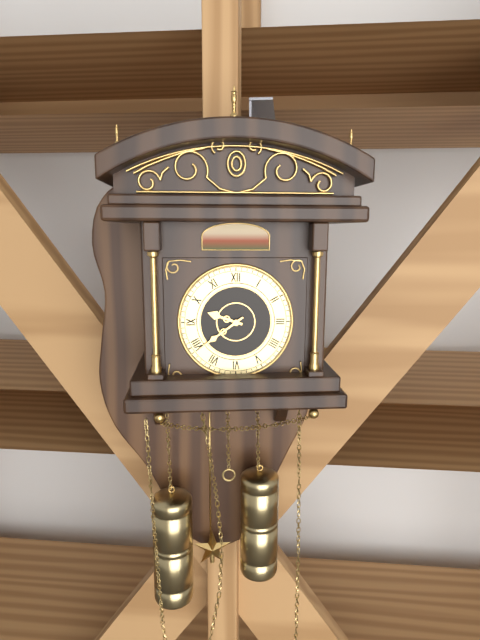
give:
9.39
